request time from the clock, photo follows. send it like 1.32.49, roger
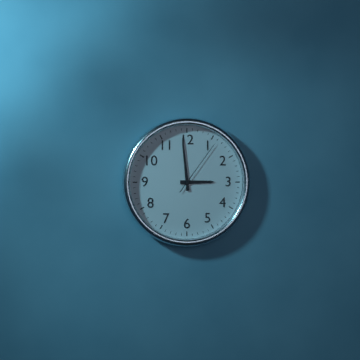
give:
2.59.06
